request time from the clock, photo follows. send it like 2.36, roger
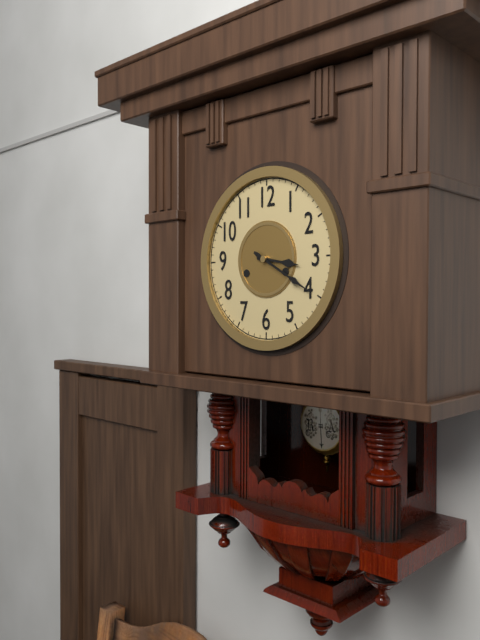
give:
3.20
